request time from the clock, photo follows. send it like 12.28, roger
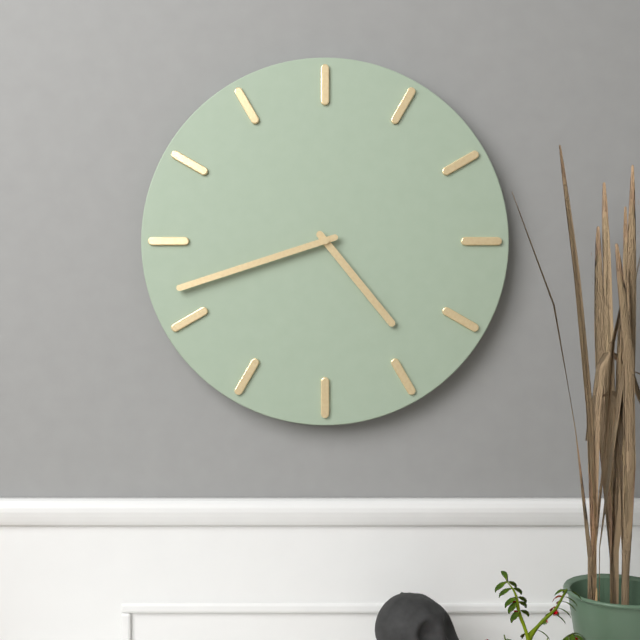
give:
4.42
